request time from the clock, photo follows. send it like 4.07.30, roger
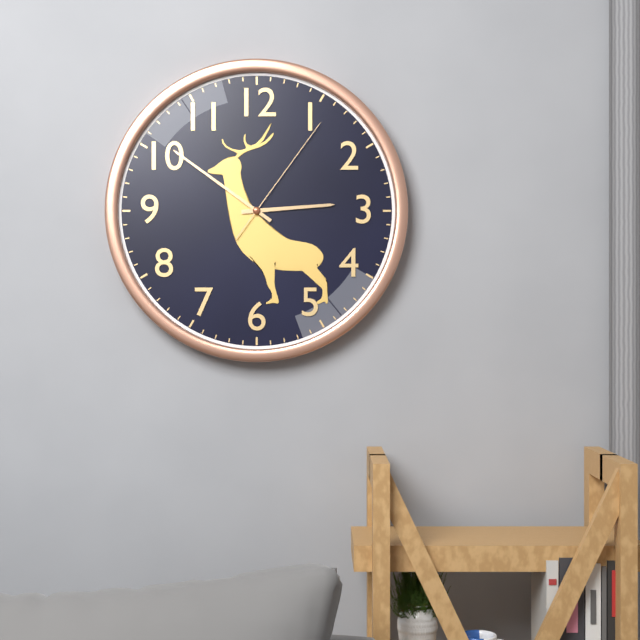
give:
2.51.06
